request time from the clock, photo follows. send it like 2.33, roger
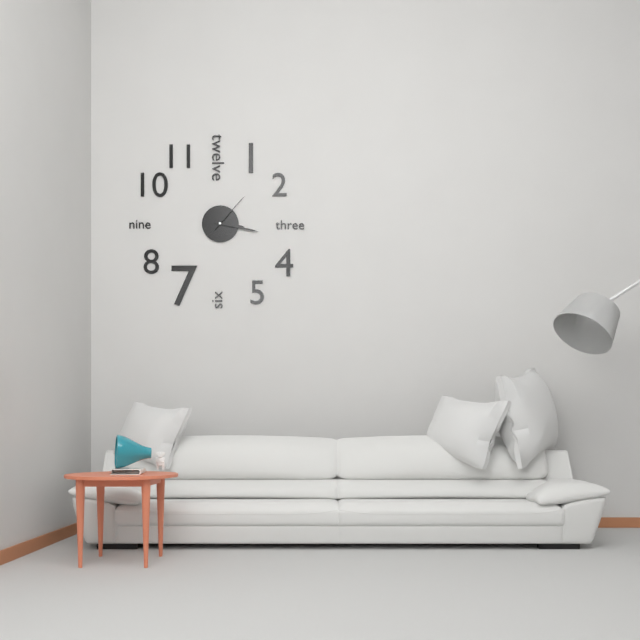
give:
3.17
